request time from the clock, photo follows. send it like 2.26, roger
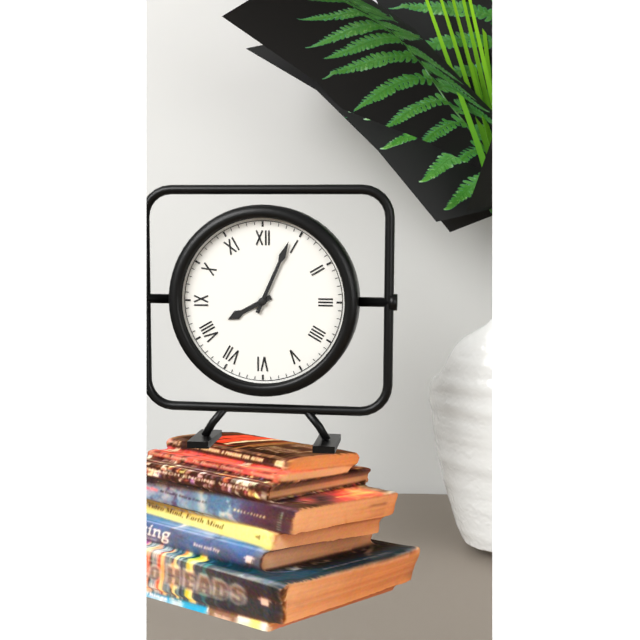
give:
8.04
